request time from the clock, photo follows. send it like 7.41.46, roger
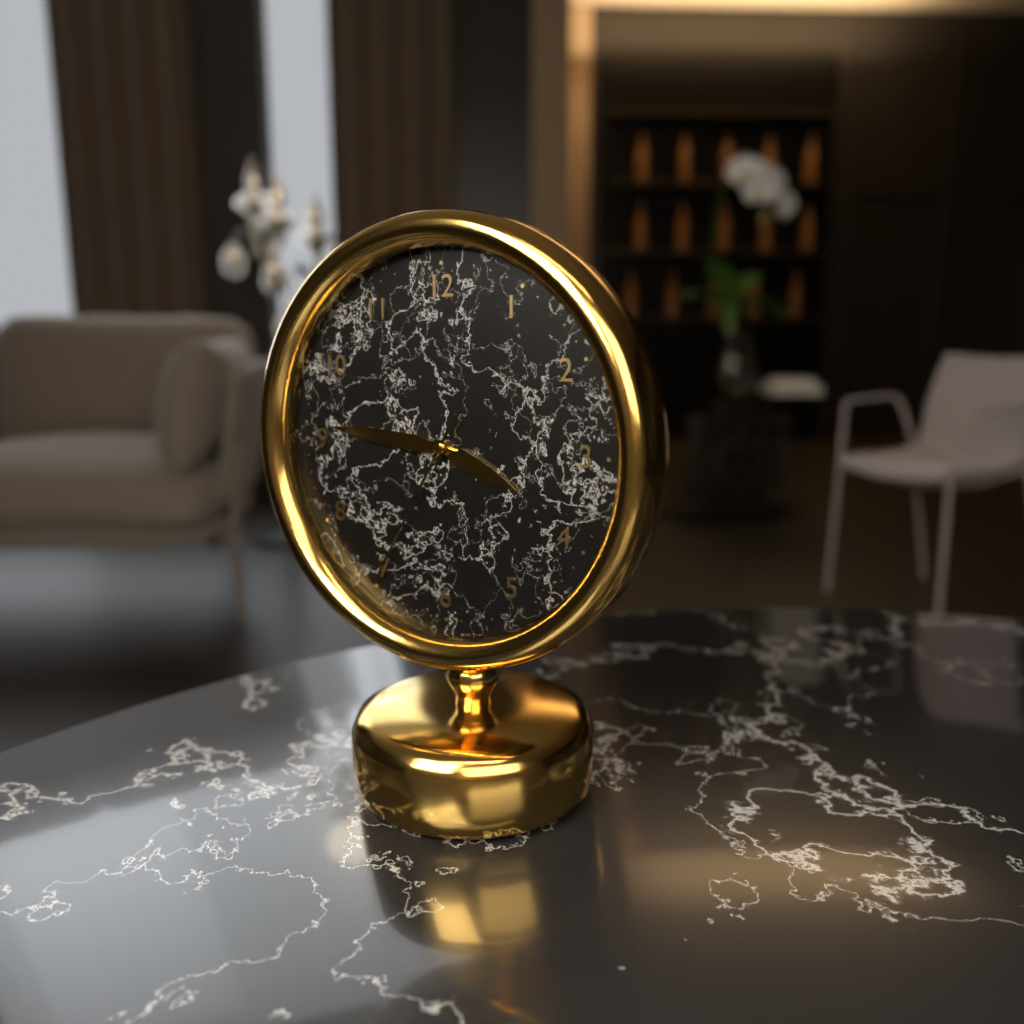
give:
3.46.35
